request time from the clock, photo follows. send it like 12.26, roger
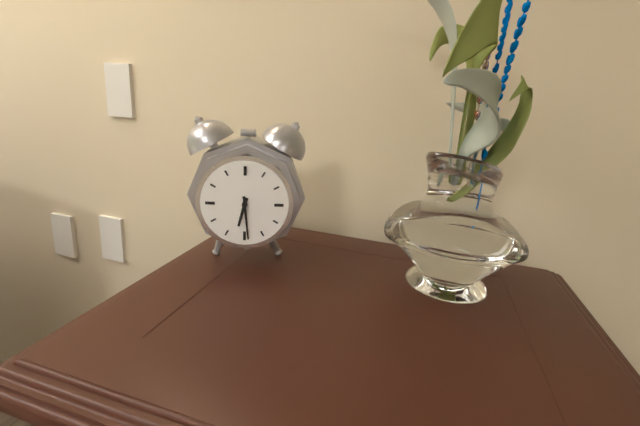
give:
6.29
